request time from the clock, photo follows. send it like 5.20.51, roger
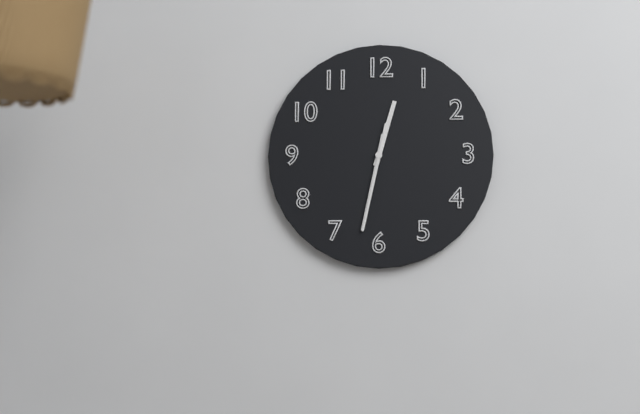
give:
12.32.32
